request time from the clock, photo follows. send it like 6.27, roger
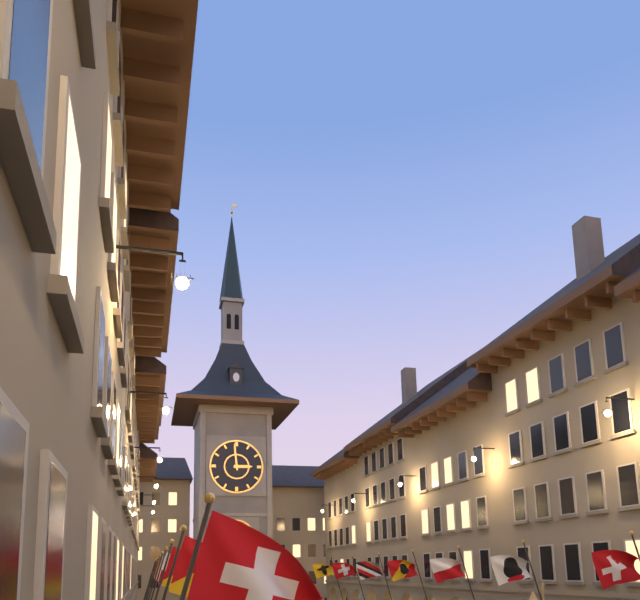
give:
2.59
